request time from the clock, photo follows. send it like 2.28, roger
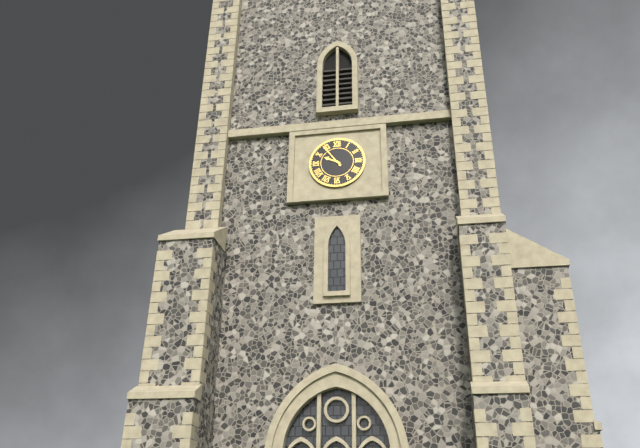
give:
9.54
